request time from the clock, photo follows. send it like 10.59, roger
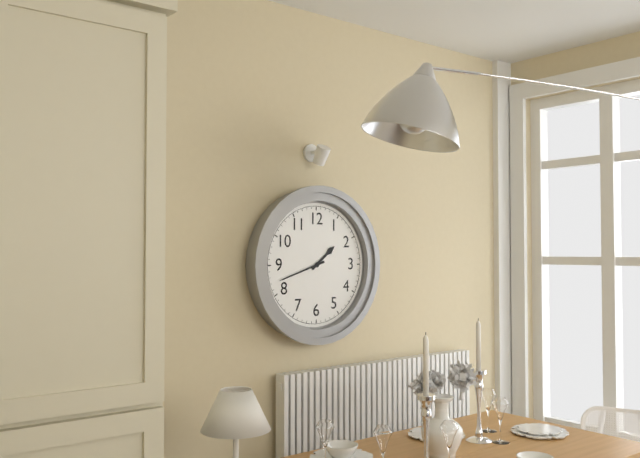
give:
1.42
